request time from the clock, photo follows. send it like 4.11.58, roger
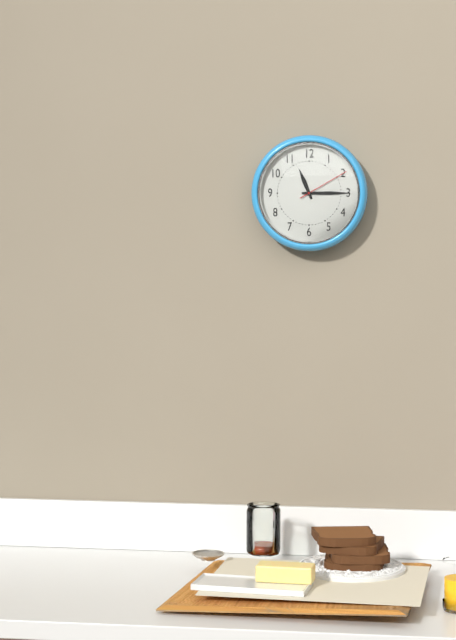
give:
11.15.10
